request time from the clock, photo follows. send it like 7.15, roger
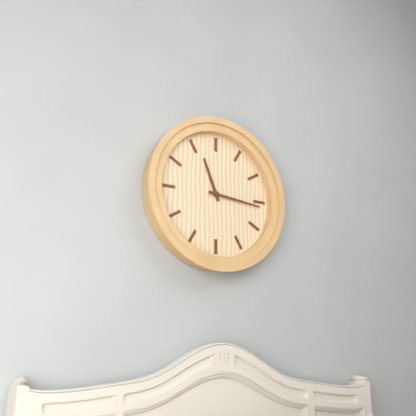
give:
11.16
